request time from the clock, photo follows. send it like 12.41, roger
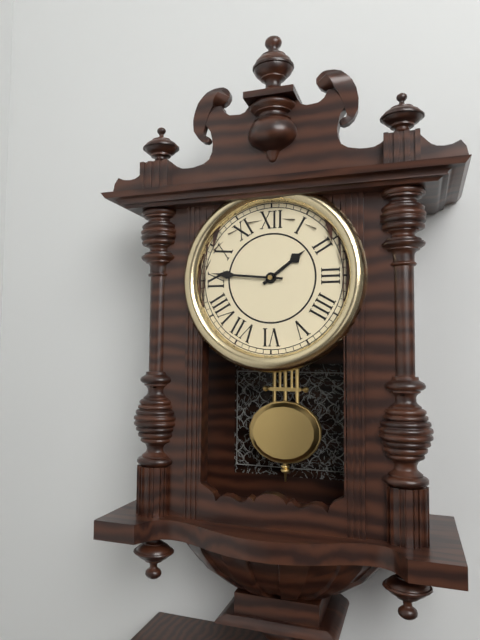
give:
1.46
